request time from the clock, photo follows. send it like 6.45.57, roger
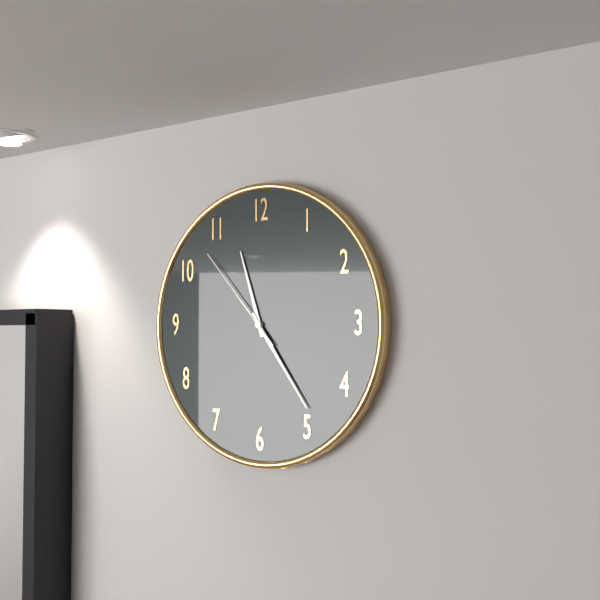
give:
11.24.53
